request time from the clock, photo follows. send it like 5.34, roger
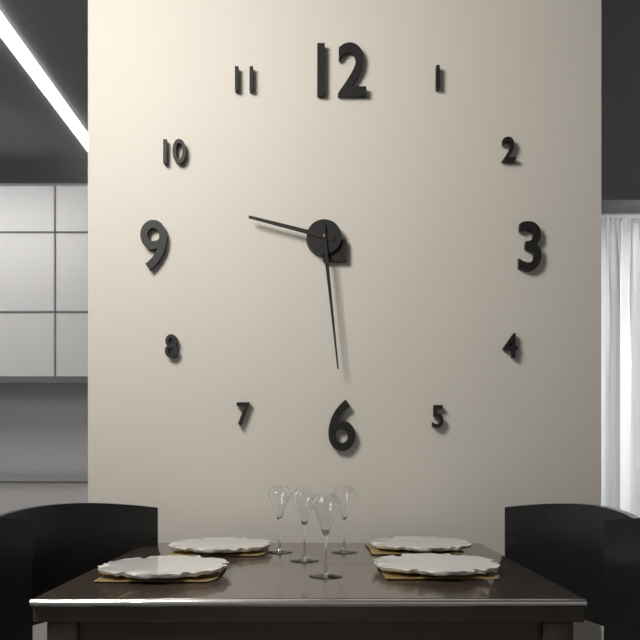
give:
9.29
